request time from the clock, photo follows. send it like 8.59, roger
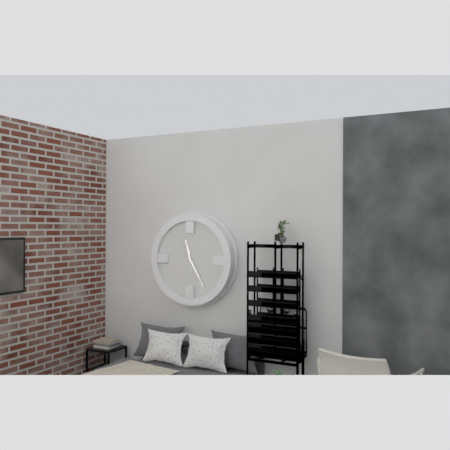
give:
11.25
